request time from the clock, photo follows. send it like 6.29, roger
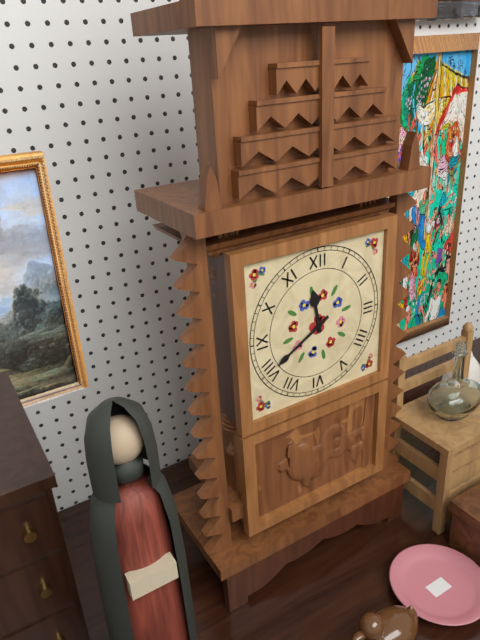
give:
11.40
